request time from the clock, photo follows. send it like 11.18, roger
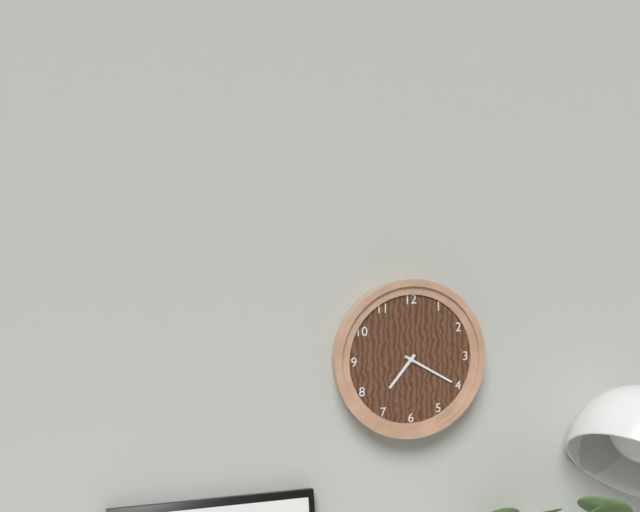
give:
7.20
